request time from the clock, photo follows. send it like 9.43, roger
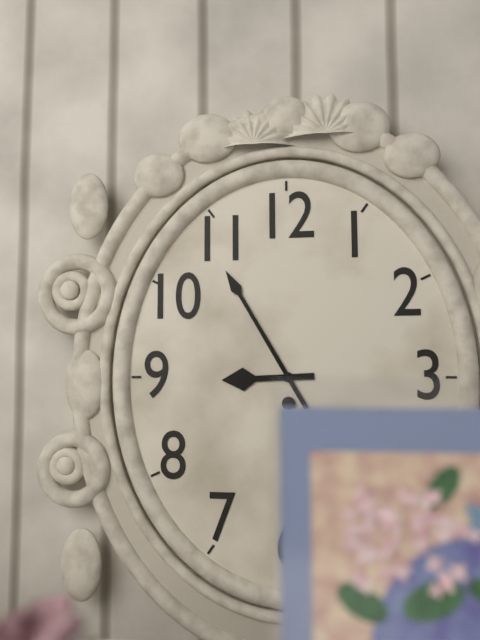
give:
8.55
